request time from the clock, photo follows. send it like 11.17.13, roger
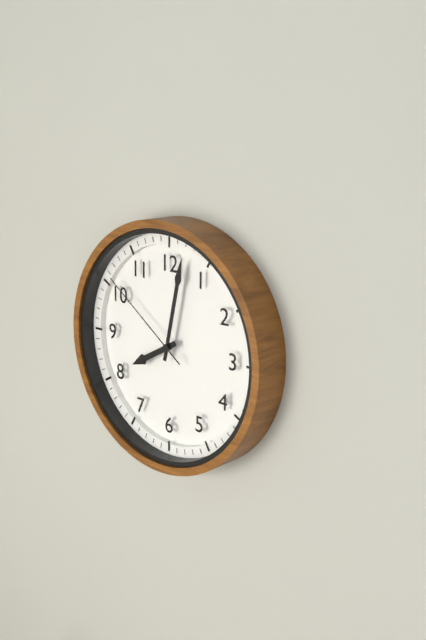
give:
8.02.51
